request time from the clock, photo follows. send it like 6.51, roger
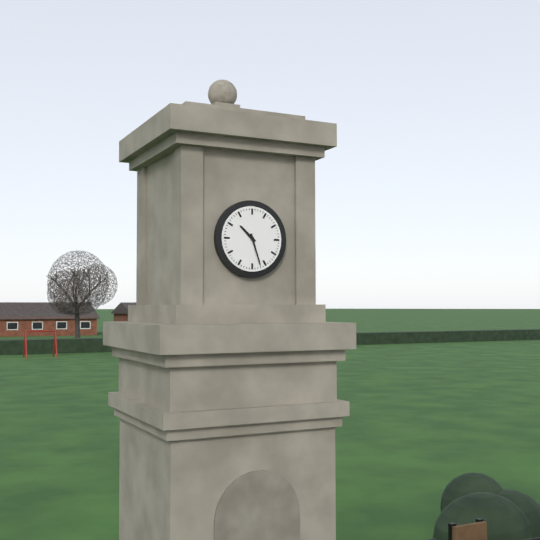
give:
10.27
